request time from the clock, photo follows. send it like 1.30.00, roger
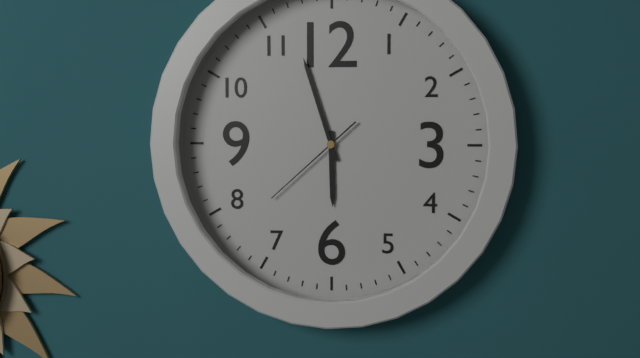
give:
5.57.38
